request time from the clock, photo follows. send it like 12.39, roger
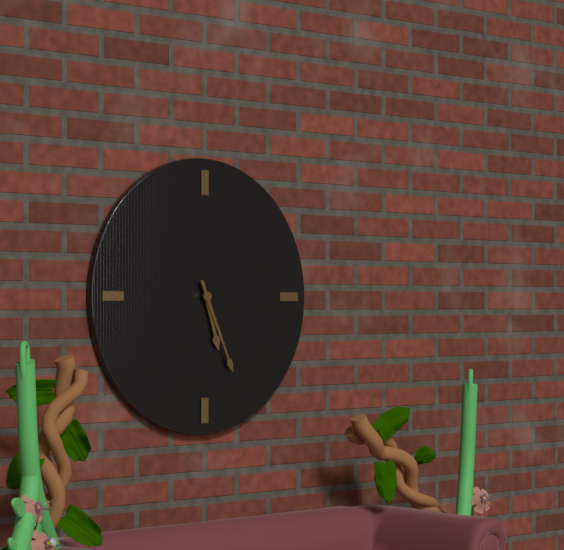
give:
5.26
